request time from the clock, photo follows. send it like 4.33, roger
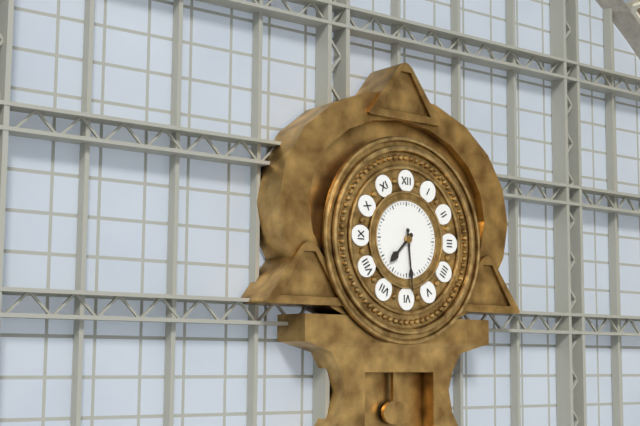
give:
7.29
